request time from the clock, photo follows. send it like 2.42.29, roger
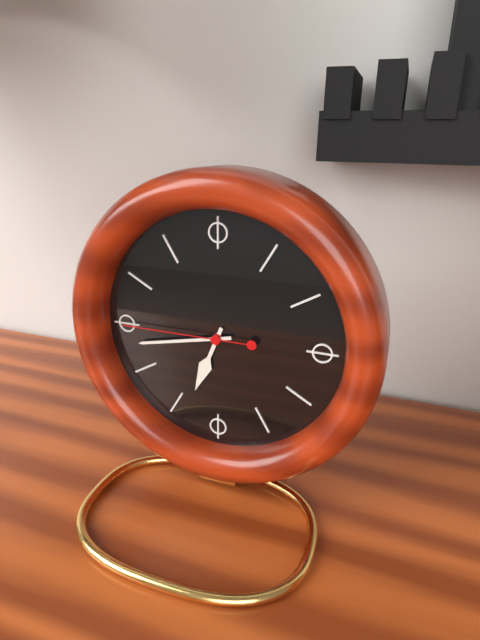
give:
6.43.45
